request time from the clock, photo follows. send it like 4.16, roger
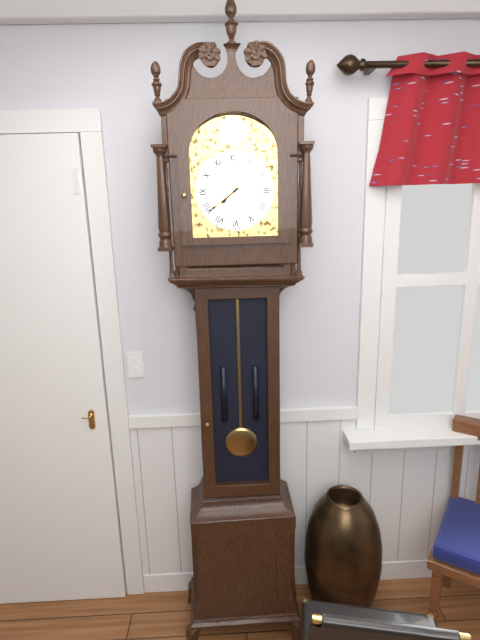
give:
7.39
